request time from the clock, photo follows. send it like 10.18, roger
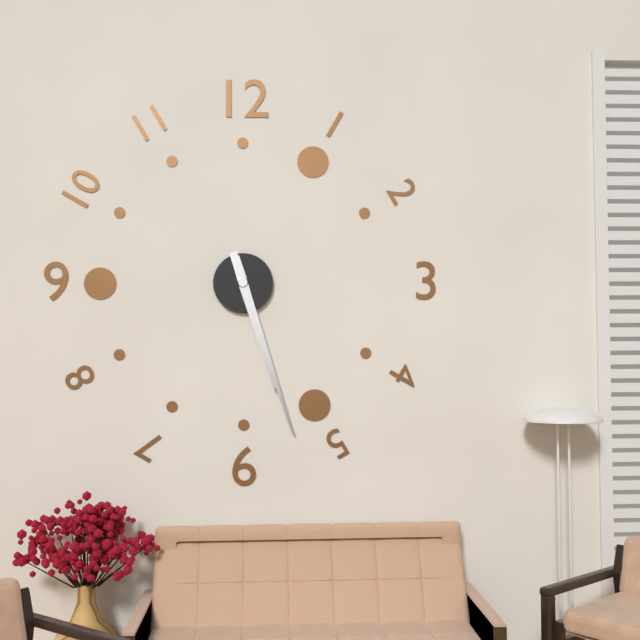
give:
5.27
